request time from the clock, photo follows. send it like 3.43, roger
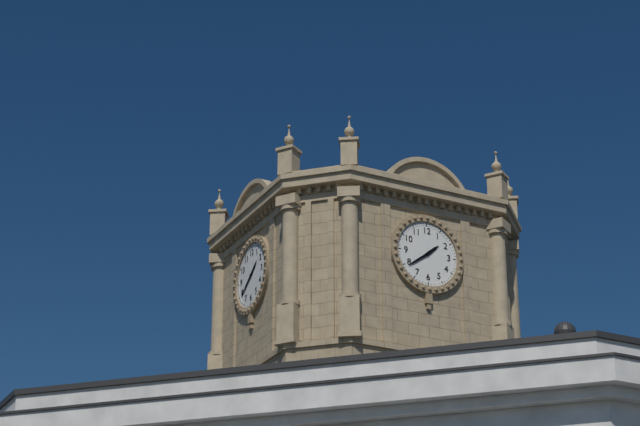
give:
1.39
